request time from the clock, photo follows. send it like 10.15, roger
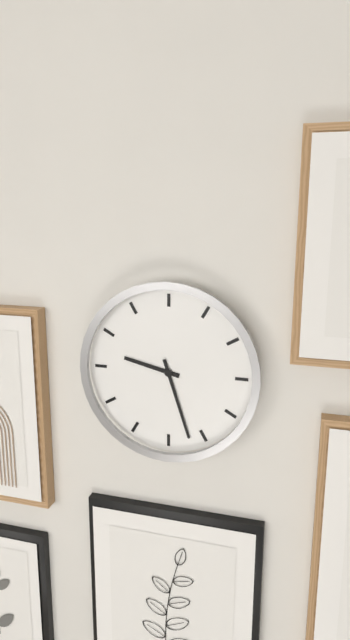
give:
9.27
